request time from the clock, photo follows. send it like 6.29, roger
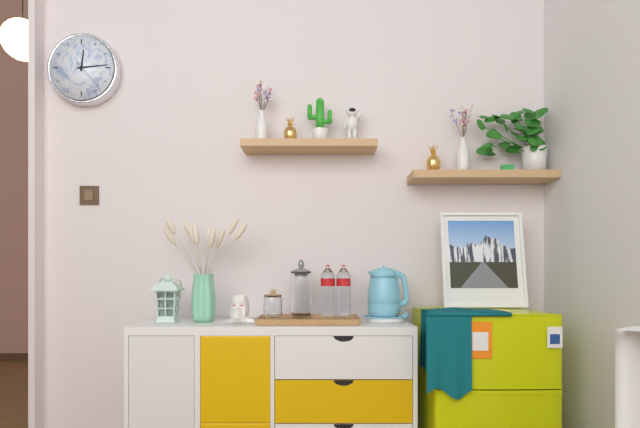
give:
12.14
